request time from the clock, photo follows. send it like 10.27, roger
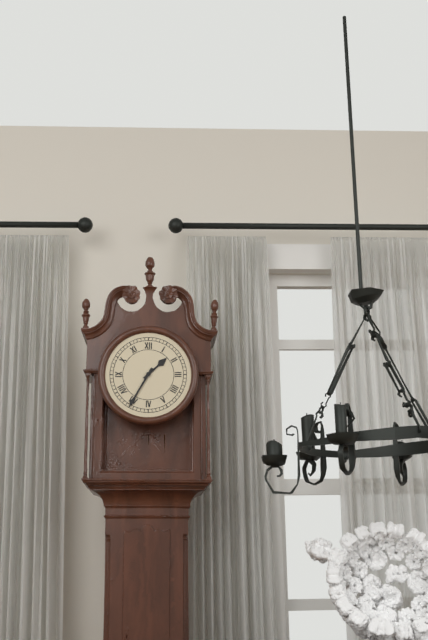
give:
1.35
